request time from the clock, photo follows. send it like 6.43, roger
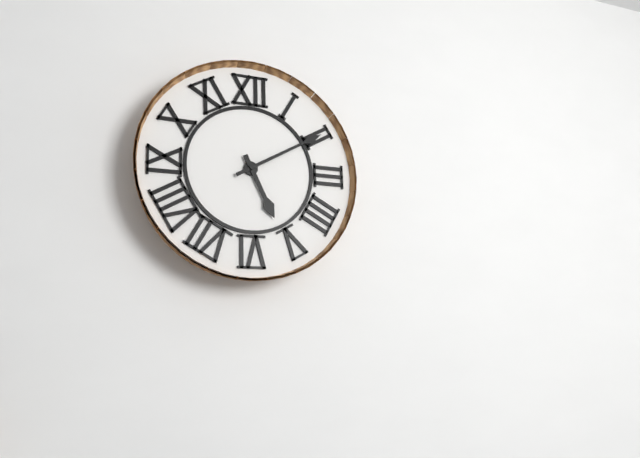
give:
5.10
